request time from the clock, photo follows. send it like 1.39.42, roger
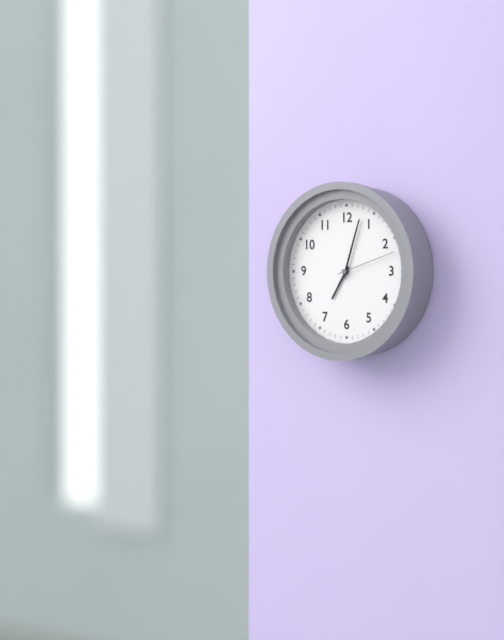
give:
7.03.12
